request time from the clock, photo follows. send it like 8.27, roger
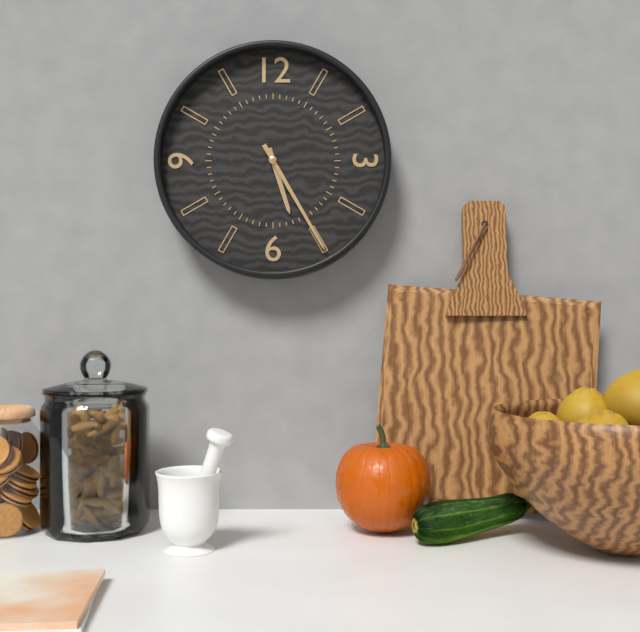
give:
5.25
